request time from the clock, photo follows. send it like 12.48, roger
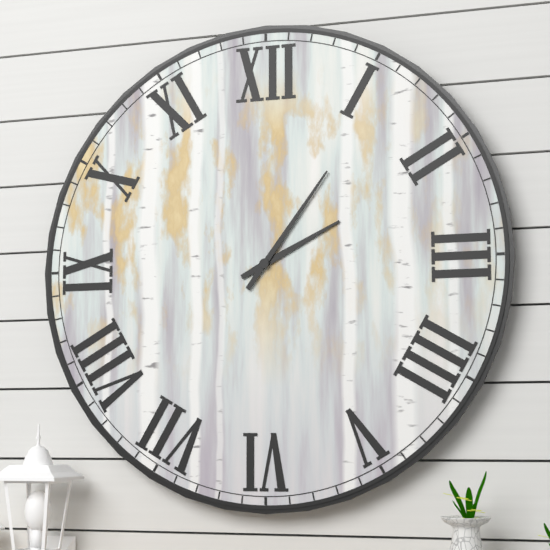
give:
2.06
